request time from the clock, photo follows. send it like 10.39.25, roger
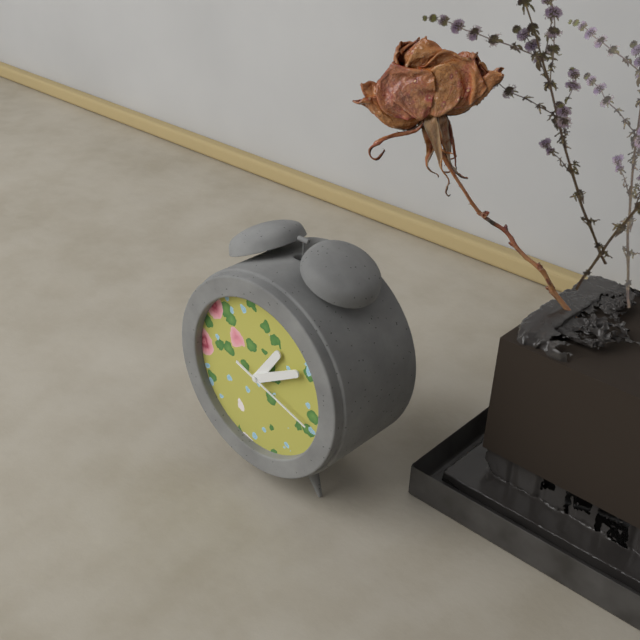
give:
1.10.18
